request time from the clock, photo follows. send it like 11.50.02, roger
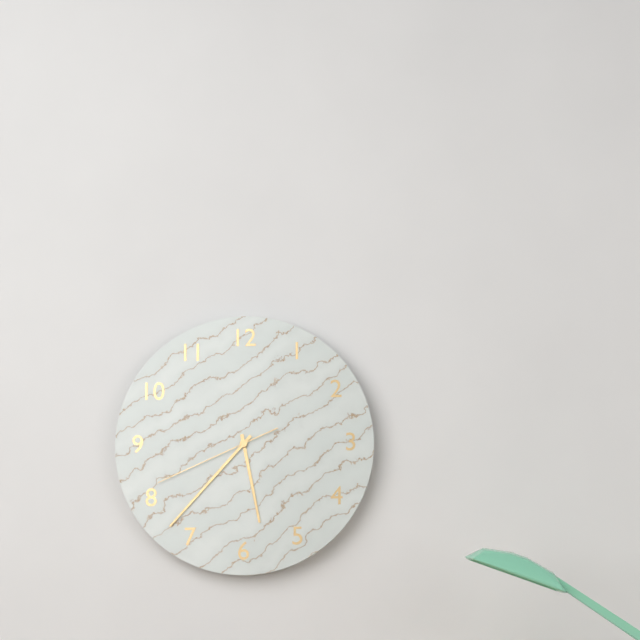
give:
5.37.41
